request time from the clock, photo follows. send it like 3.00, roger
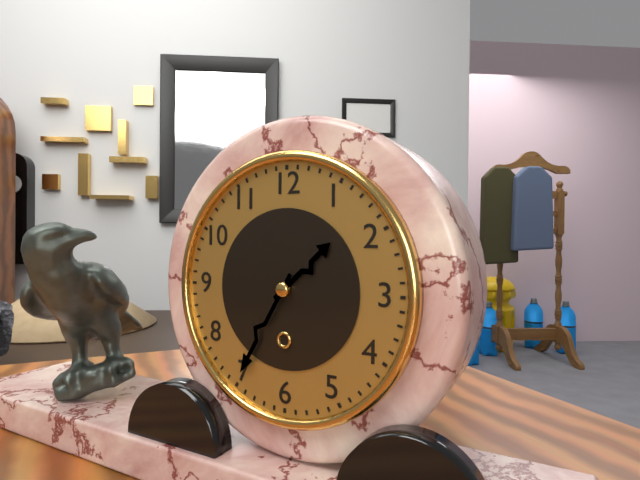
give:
1.35
